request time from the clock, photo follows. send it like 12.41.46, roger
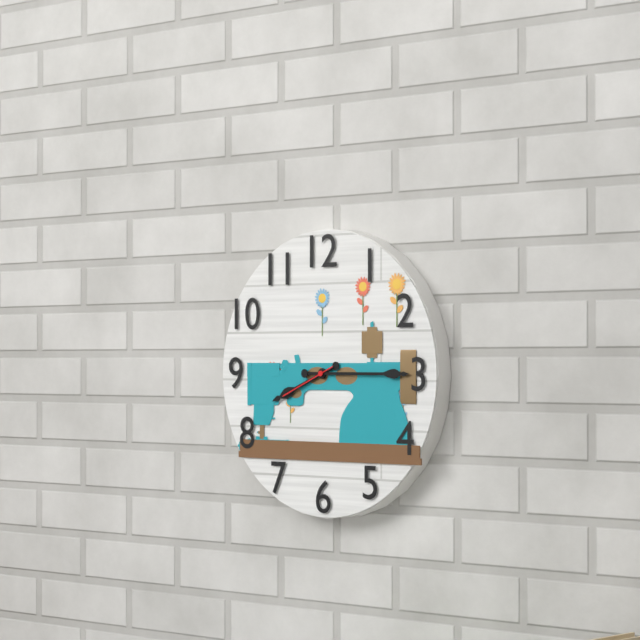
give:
8.15.41
